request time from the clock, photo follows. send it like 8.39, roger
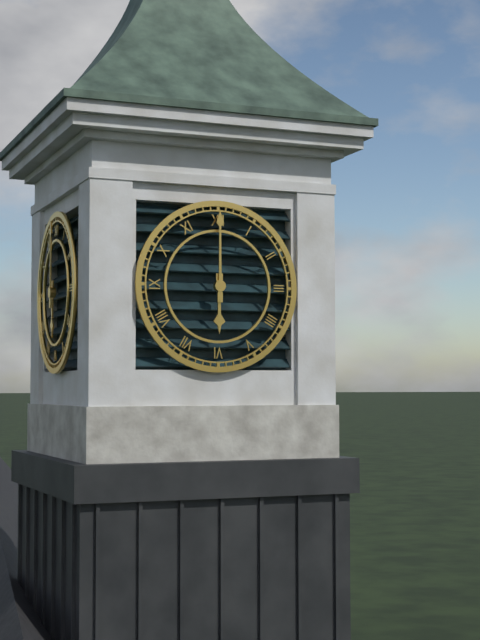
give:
6.00
